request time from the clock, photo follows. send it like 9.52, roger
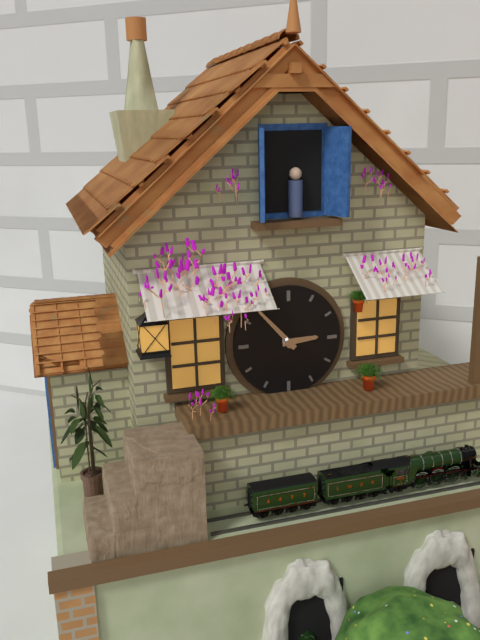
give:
2.53
